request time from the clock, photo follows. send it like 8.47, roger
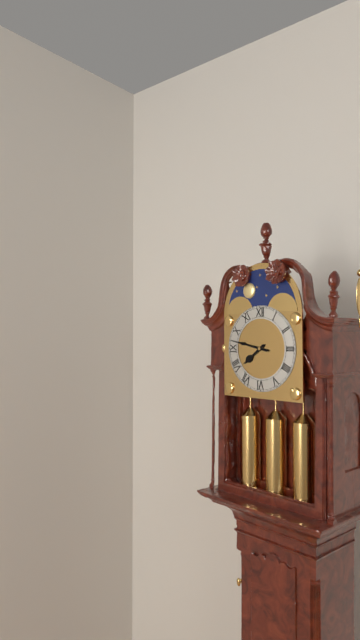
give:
7.47
